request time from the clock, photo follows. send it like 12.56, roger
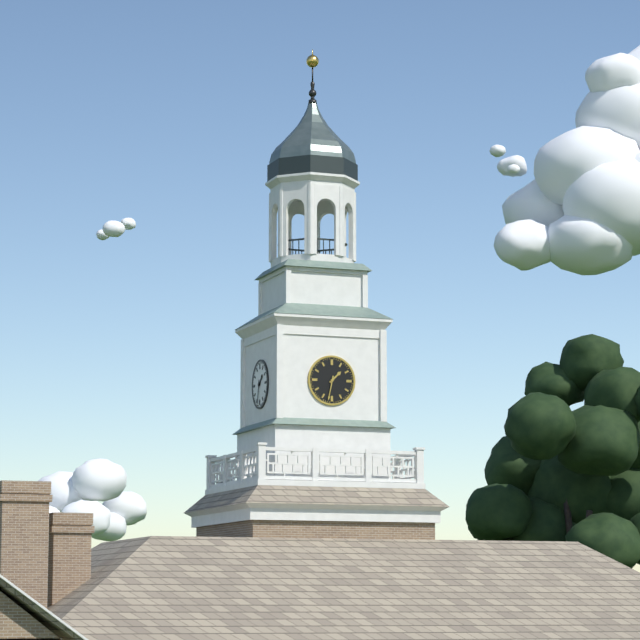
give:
1.32
